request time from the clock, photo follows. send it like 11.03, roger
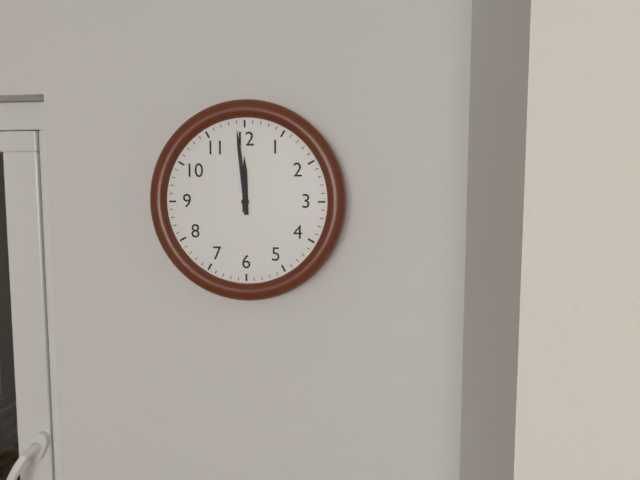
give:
11.59
